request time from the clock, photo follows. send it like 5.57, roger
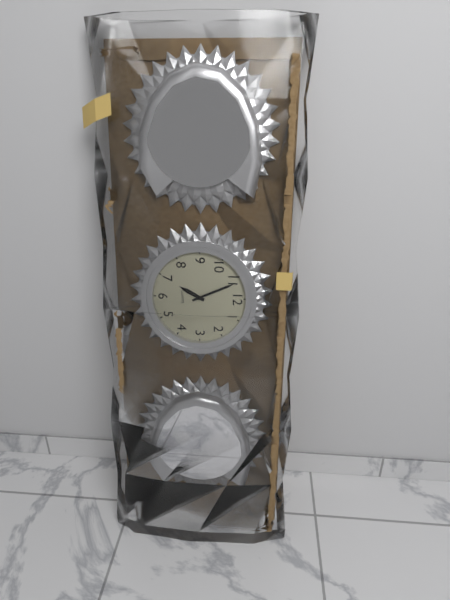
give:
6.56
